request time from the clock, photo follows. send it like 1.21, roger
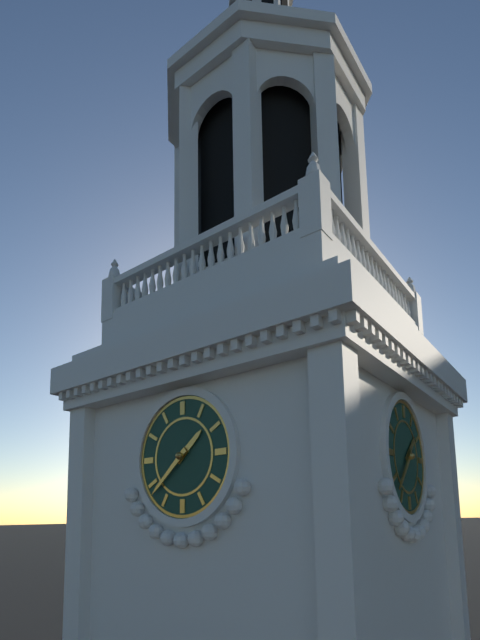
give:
1.38
